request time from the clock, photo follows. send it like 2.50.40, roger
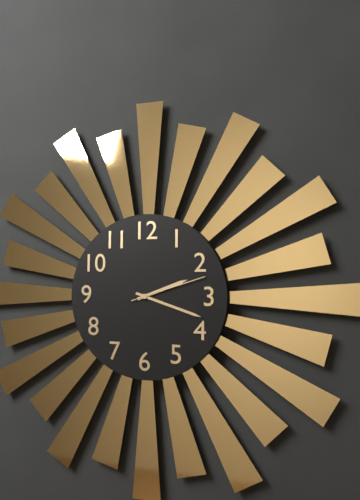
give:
2.18.12
